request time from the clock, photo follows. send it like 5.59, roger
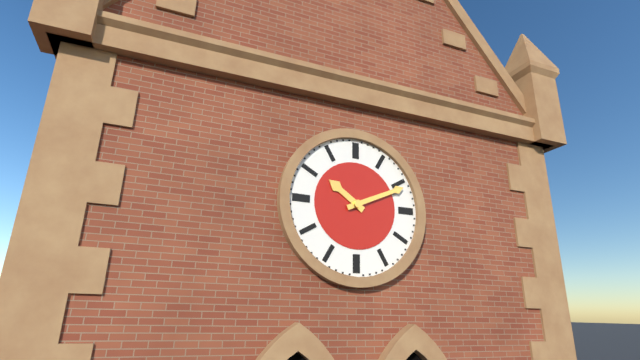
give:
10.11
